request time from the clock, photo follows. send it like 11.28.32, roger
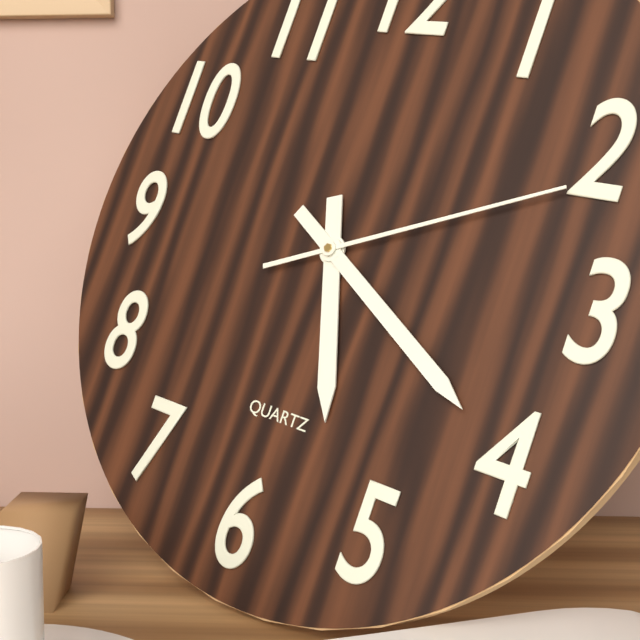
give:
5.20.11
